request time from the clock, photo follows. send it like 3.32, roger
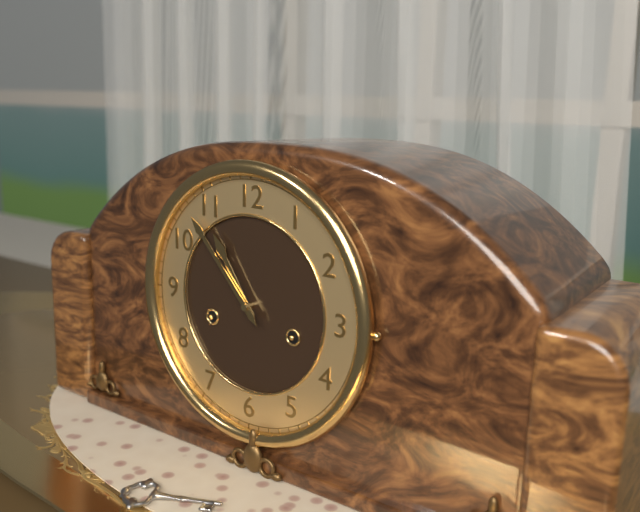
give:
10.53
